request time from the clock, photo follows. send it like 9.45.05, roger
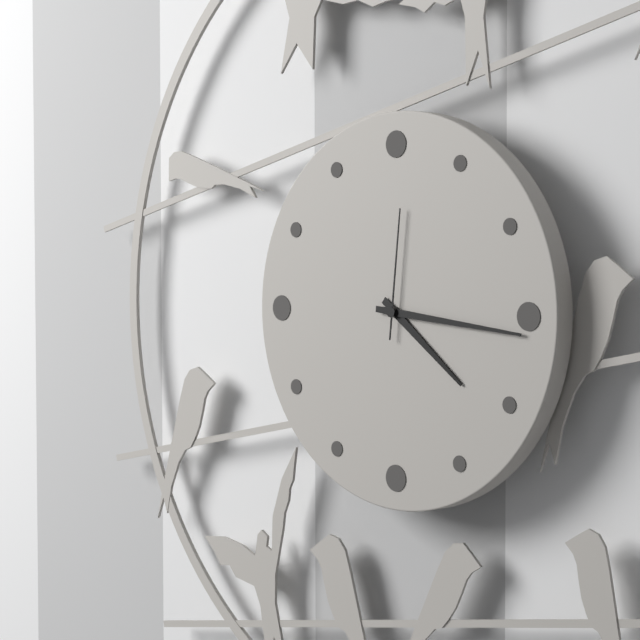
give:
4.16.01
